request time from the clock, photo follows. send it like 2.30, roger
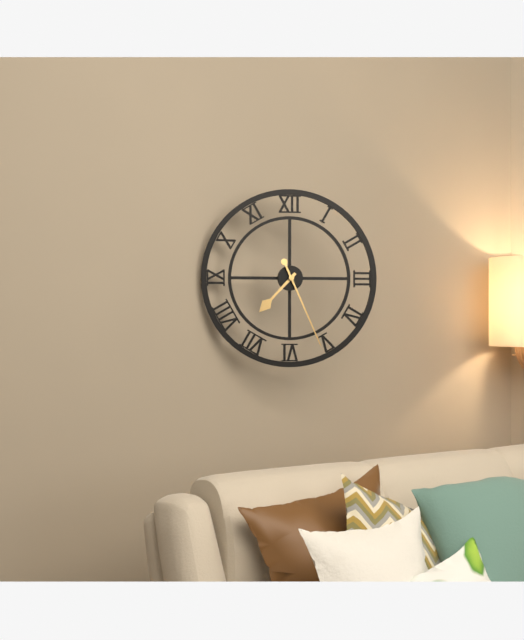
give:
7.26
